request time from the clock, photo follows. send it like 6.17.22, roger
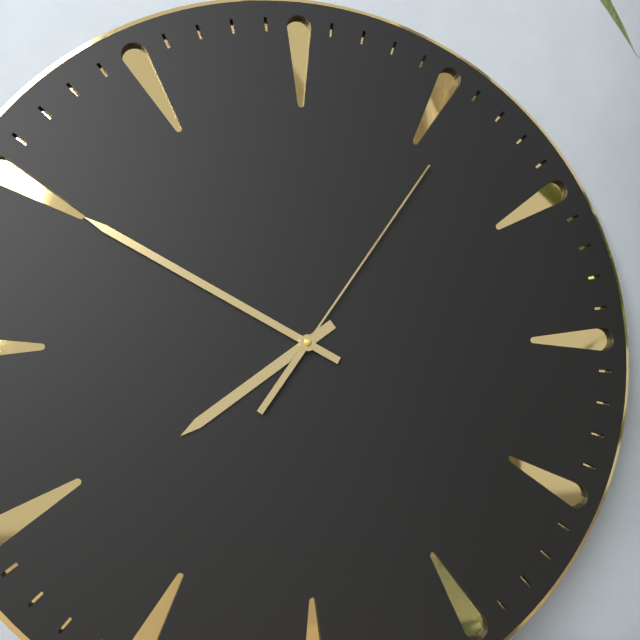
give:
7.50.06
